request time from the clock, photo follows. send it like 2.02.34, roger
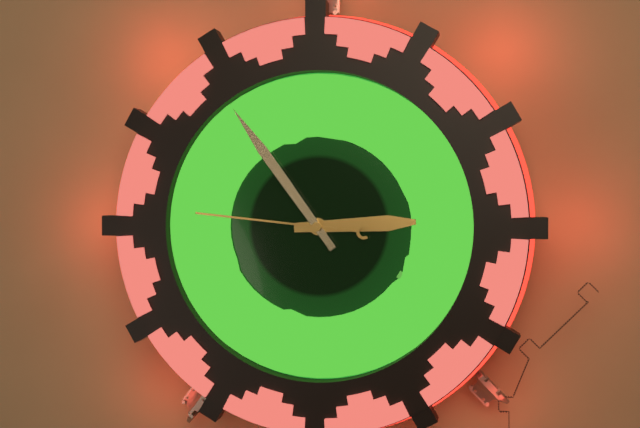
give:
2.54.46
